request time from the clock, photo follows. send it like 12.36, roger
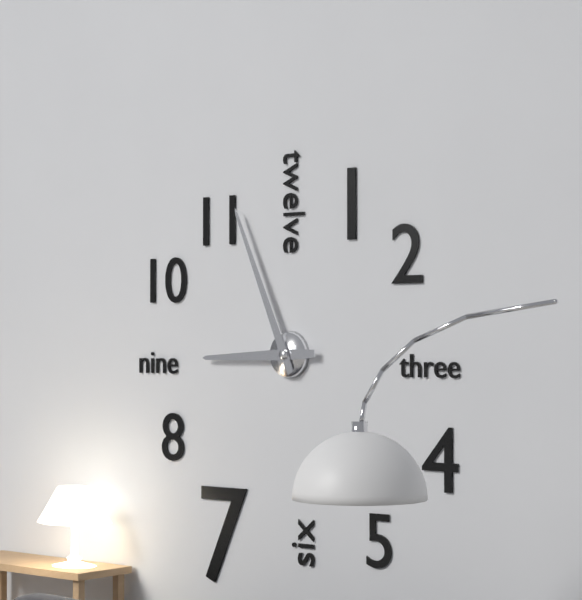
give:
8.56
